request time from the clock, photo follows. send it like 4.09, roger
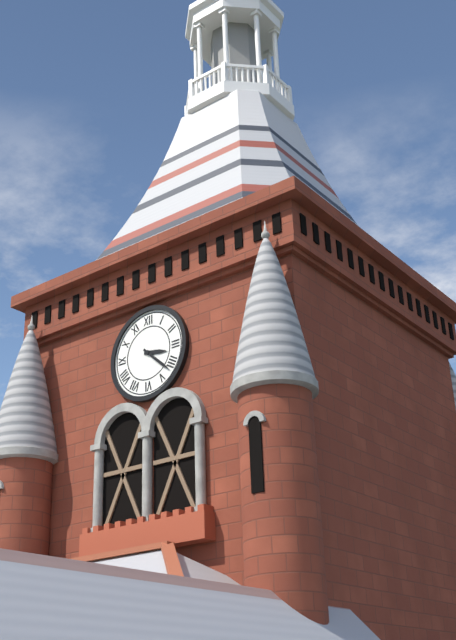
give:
3.22
